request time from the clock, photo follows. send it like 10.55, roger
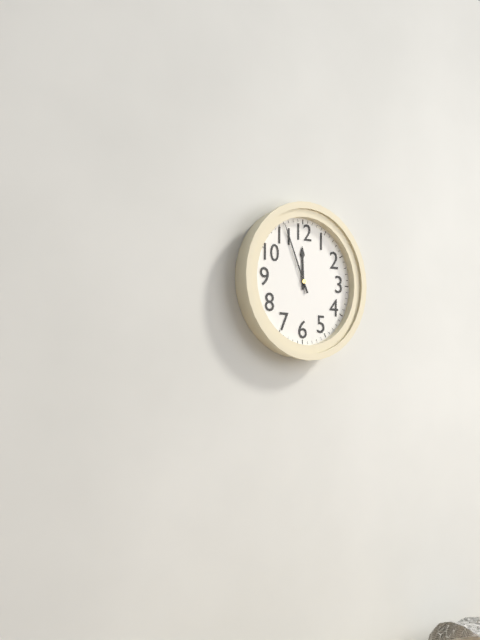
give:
11.56
